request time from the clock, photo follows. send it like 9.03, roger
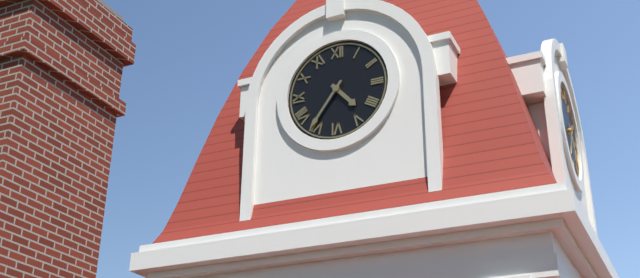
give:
4.36
